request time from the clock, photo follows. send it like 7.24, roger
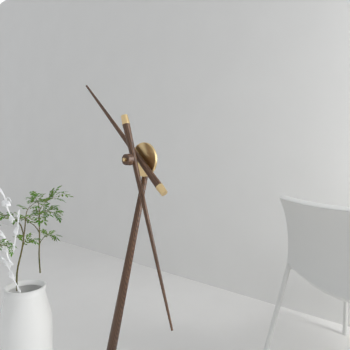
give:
10.27
